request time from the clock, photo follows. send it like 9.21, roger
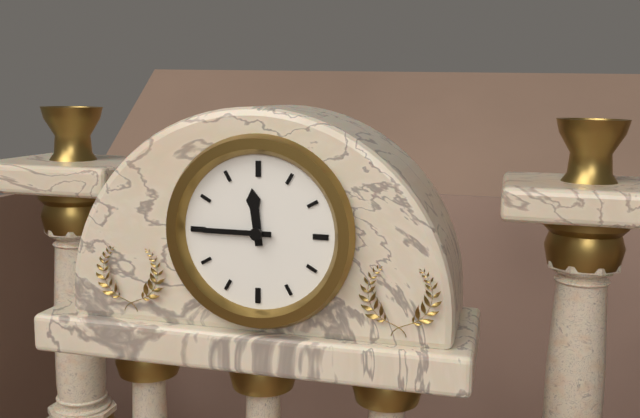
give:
11.45
